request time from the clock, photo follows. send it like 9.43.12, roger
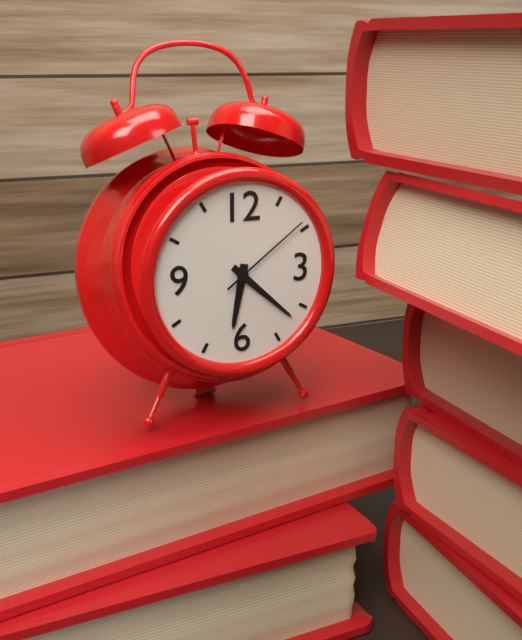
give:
6.22.09
